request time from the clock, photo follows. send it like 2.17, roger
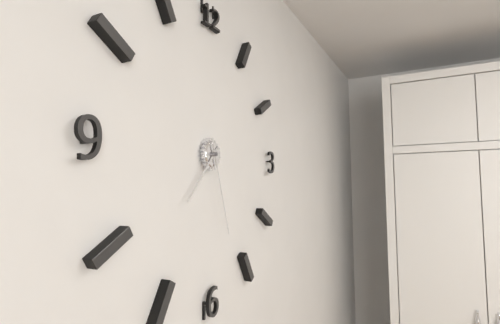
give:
7.27
